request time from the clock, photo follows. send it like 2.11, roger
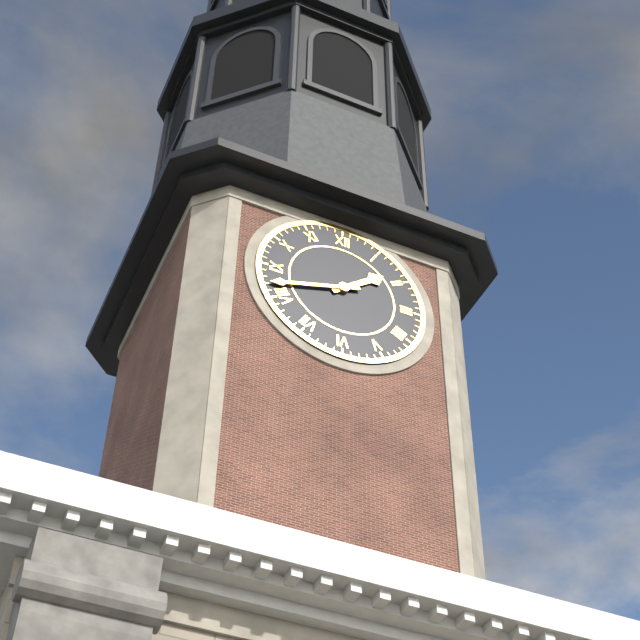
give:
1.42
